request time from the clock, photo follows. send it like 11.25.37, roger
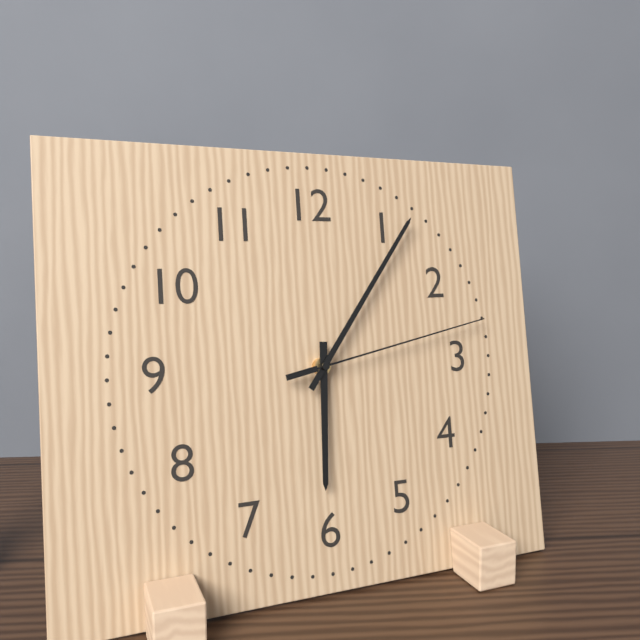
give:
6.06.13
